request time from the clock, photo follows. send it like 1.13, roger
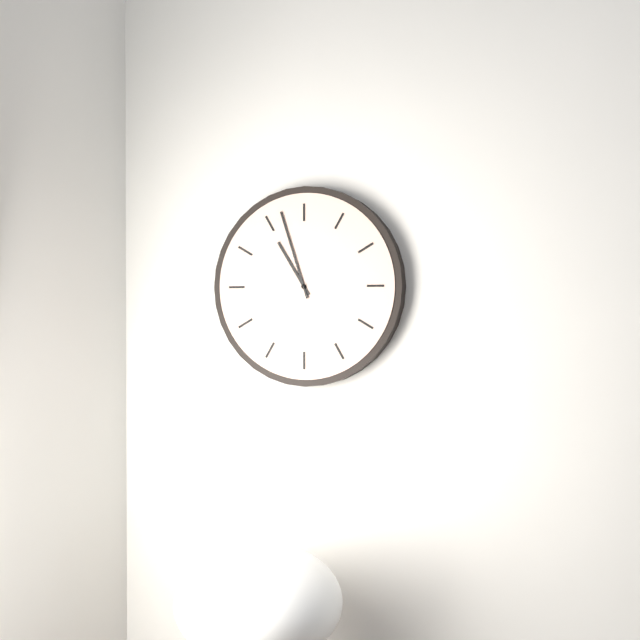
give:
10.57
